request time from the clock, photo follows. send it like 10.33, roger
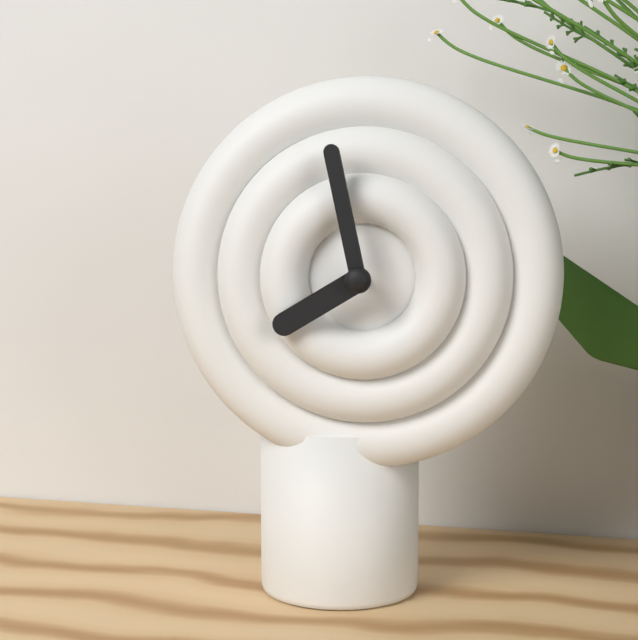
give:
7.58
